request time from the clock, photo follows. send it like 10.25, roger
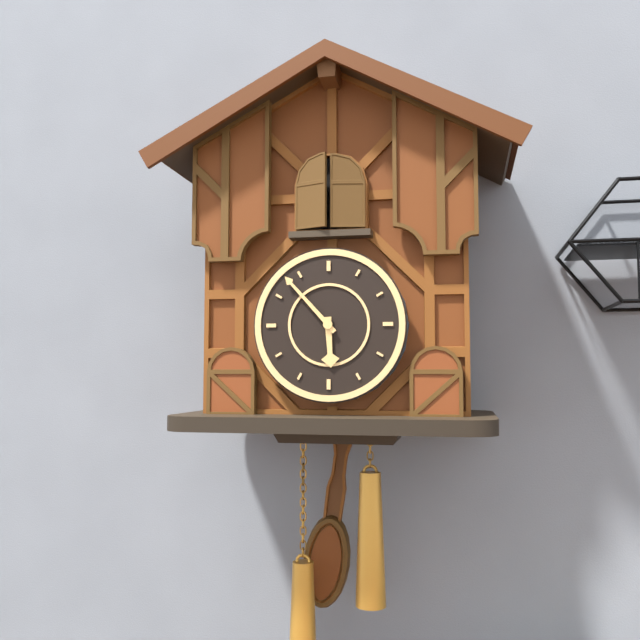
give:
5.53
